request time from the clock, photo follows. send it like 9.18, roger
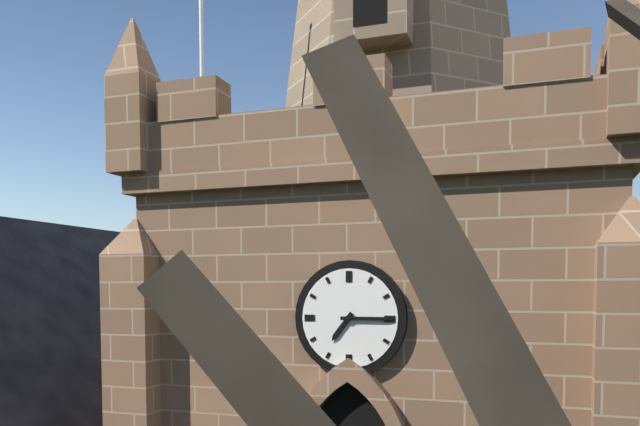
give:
7.15
